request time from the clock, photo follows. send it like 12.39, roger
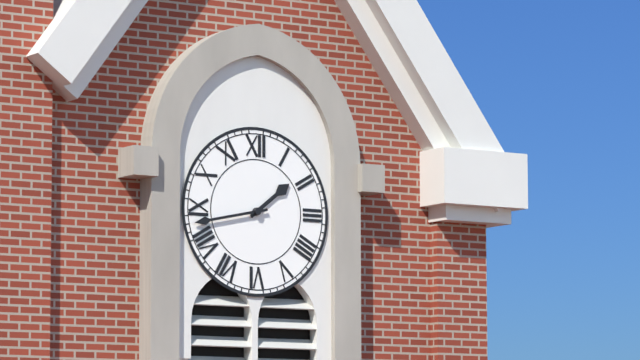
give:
1.43
